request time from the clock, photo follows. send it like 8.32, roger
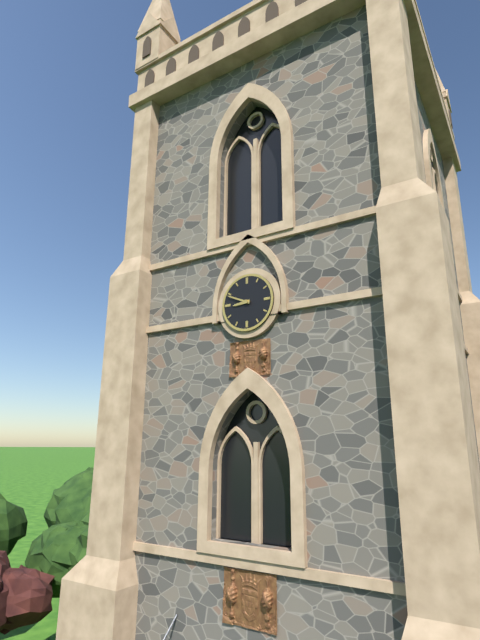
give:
8.49
